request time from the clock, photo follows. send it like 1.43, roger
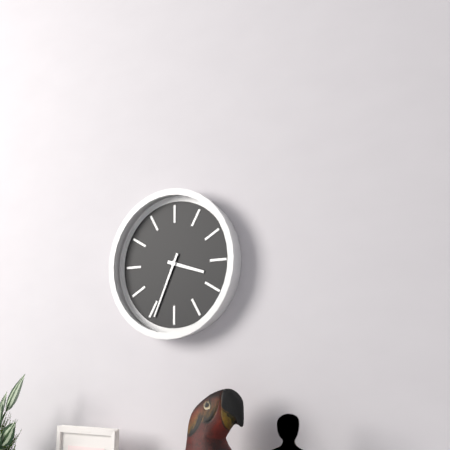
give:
3.34
